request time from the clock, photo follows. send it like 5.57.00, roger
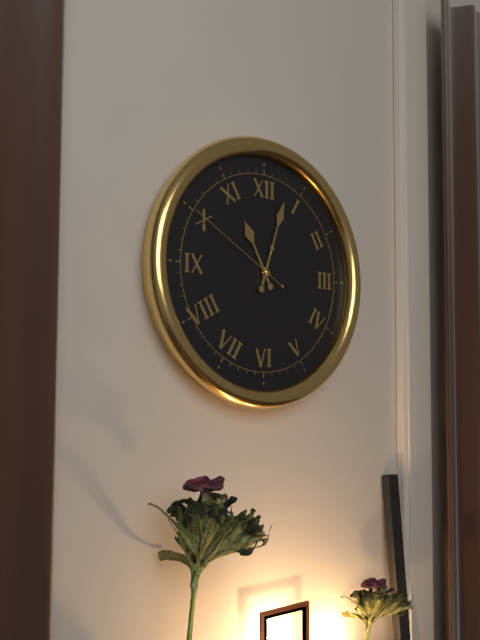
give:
11.03.50
